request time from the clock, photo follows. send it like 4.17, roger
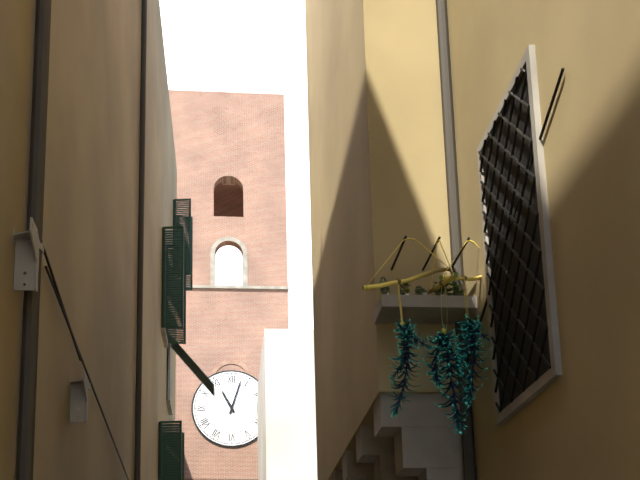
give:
11.03
